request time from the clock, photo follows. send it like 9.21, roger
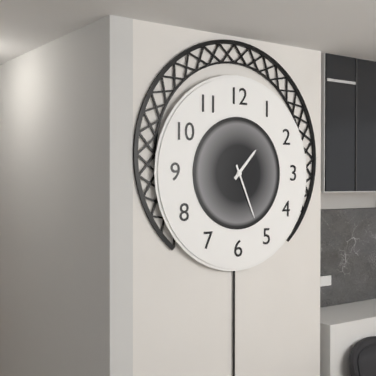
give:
1.26
